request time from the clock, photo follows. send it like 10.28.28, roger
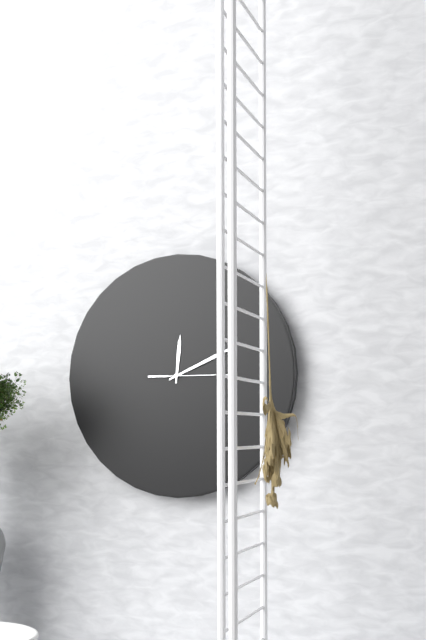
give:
12.11.15
